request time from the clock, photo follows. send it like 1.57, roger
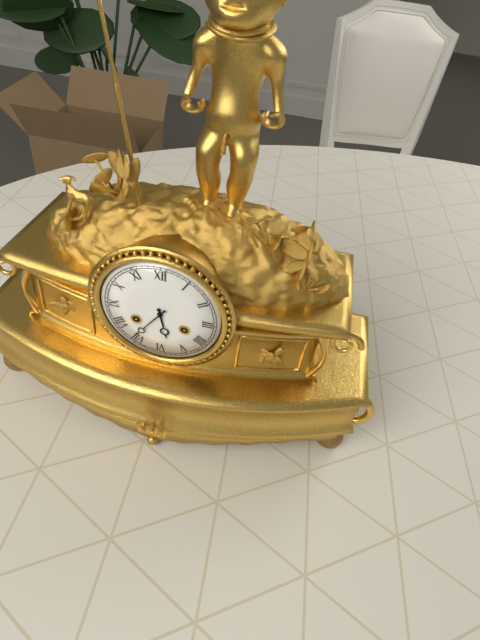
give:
5.36
